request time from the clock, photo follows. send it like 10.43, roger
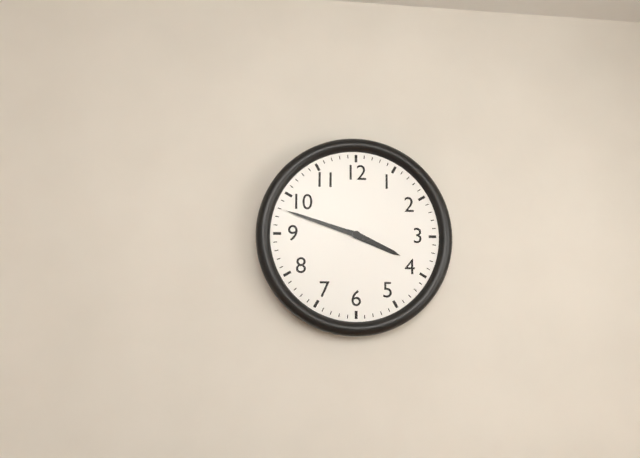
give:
3.48
